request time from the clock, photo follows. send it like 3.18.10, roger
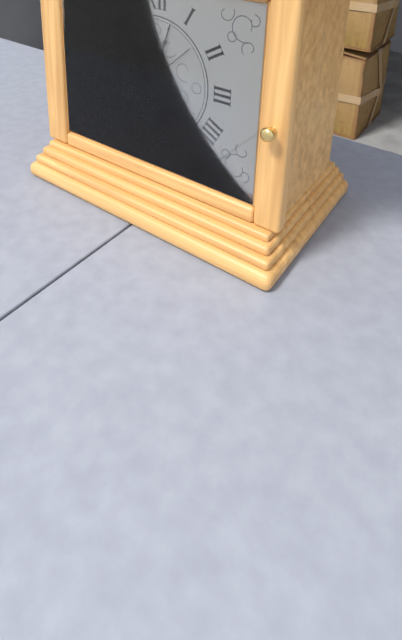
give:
11.03.08
